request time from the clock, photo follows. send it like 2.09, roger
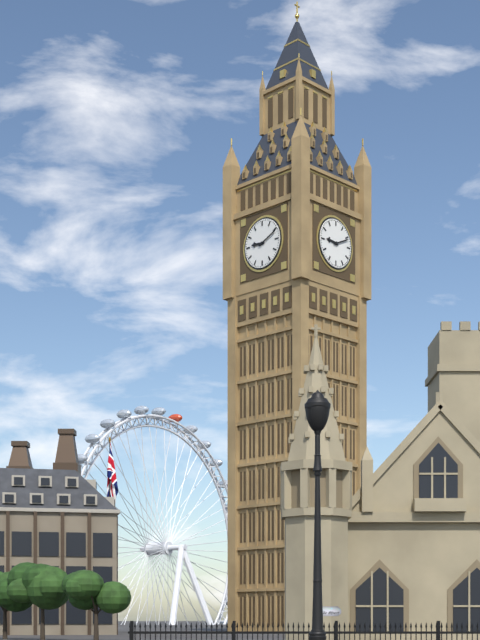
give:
9.11
